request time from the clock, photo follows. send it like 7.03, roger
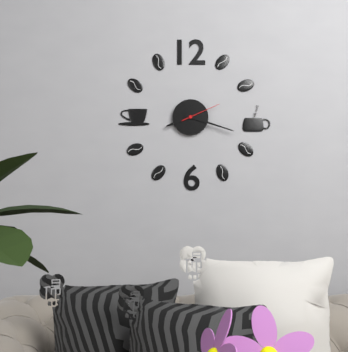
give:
8.18
